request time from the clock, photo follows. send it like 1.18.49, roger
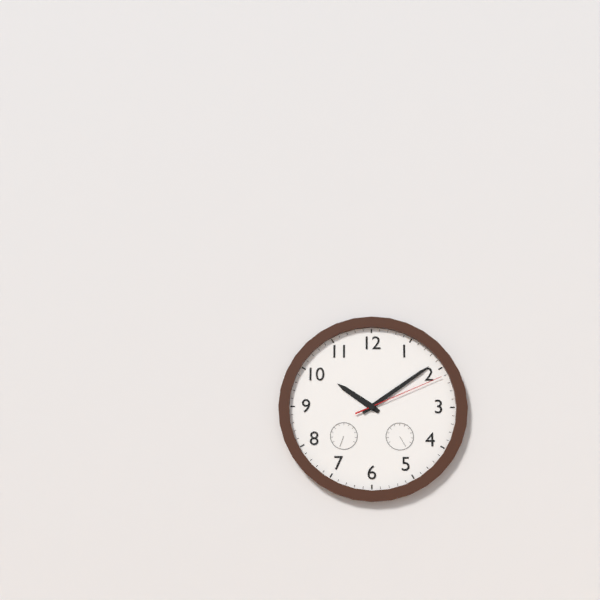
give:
10.09.11
